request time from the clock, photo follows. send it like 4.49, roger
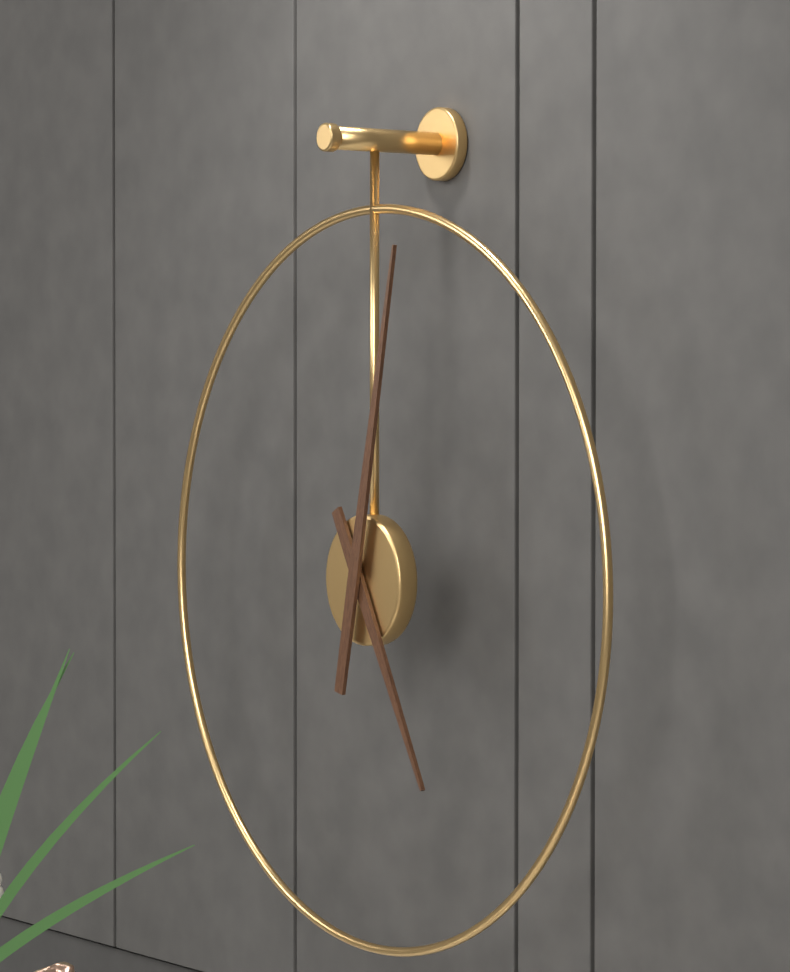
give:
5.02
